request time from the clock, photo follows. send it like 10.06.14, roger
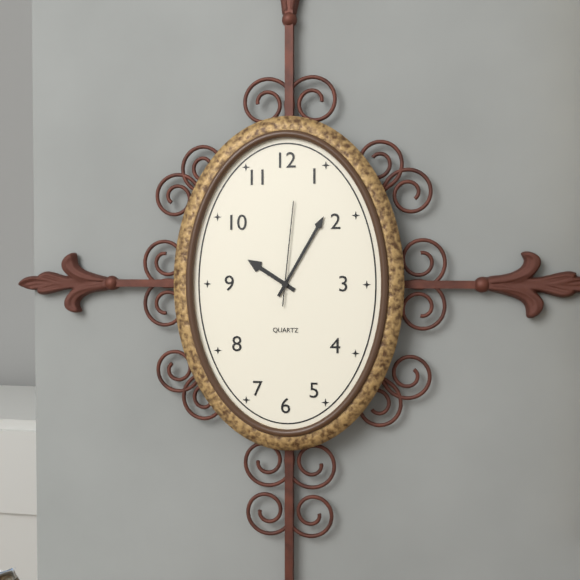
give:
10.05.01
